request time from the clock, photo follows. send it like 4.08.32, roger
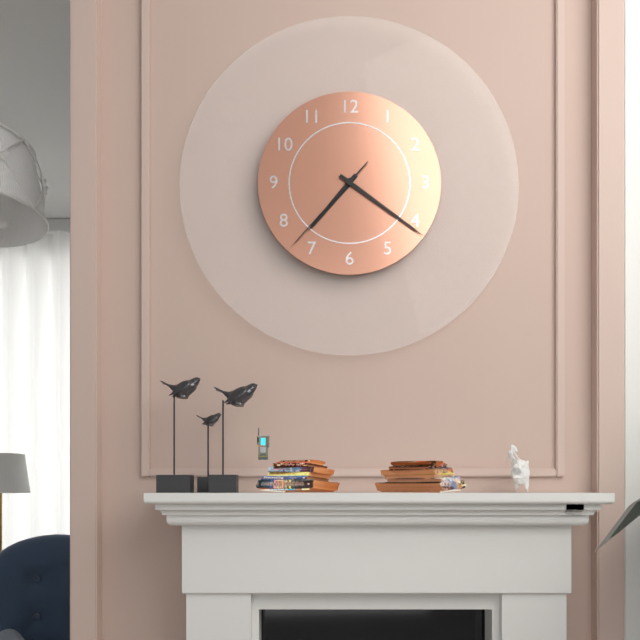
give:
7.21.37
